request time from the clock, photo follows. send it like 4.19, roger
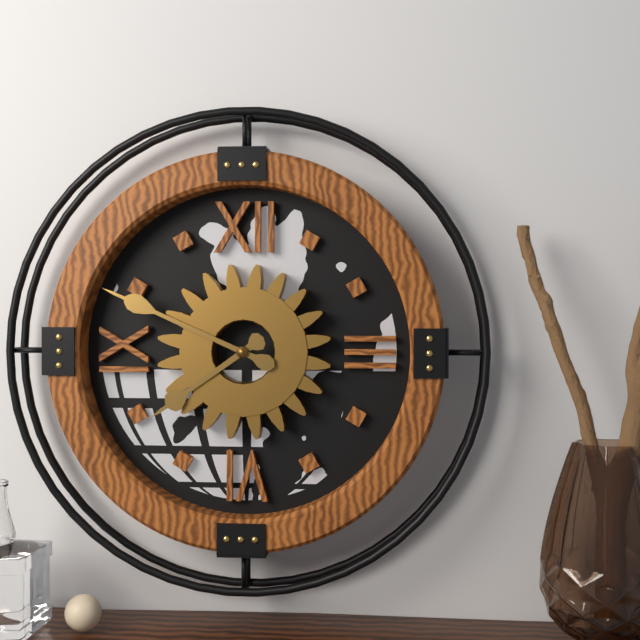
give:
7.49
